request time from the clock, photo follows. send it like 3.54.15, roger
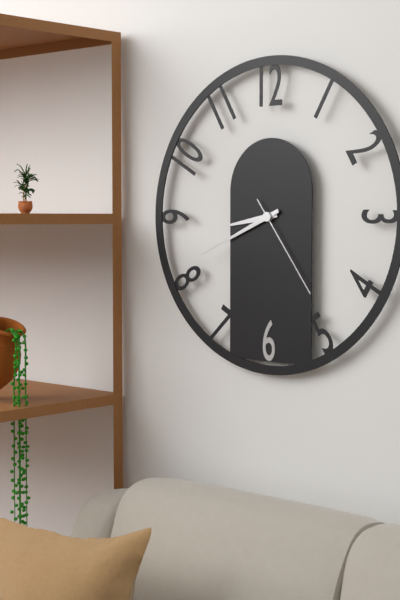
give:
8.41.24
